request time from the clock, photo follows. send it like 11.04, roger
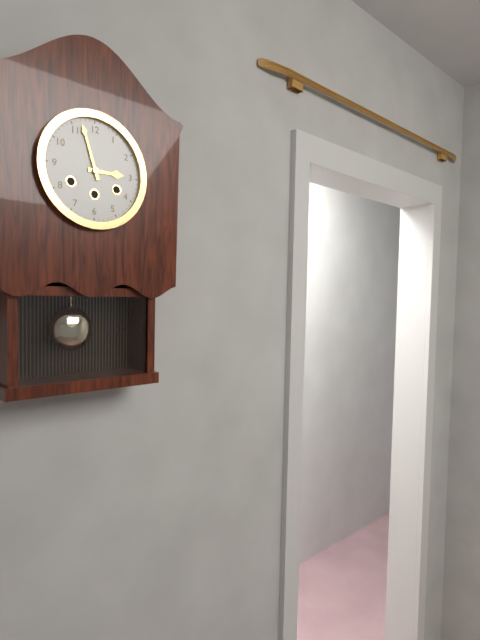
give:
2.57
